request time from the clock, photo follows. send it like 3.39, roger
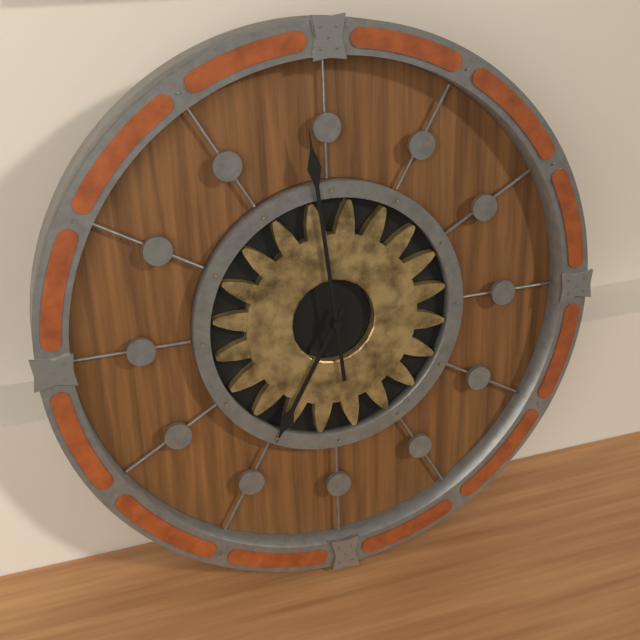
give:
6.59
